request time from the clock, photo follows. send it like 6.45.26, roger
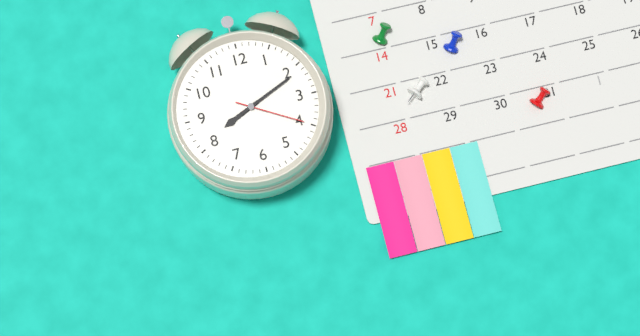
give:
8.11.20
